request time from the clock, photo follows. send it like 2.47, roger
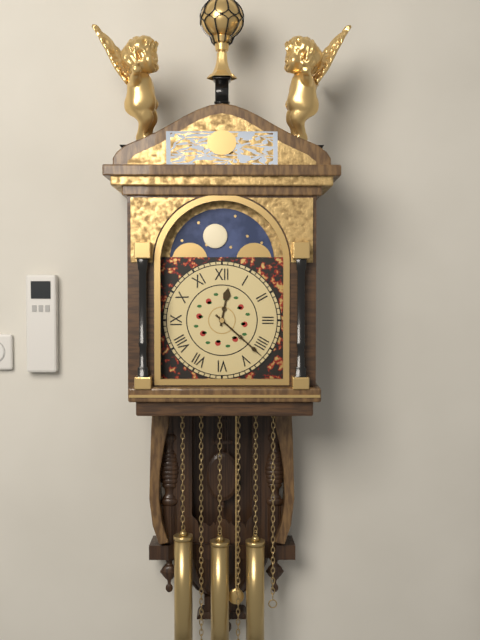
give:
12.22
